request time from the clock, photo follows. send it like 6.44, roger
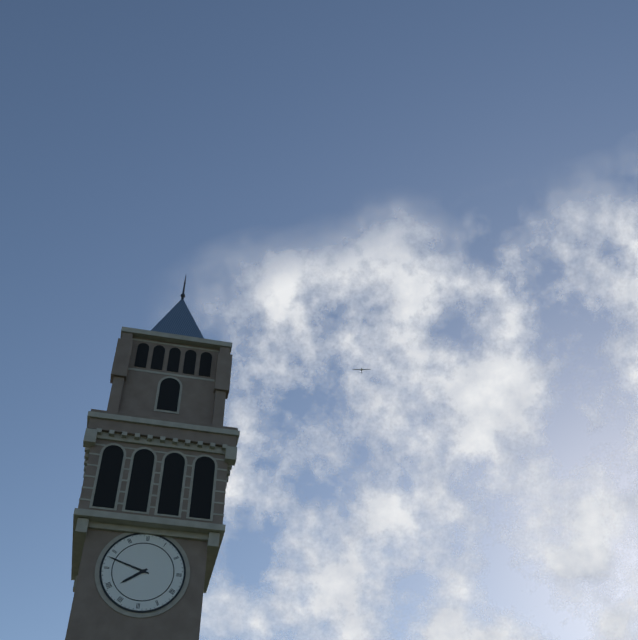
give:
7.48
